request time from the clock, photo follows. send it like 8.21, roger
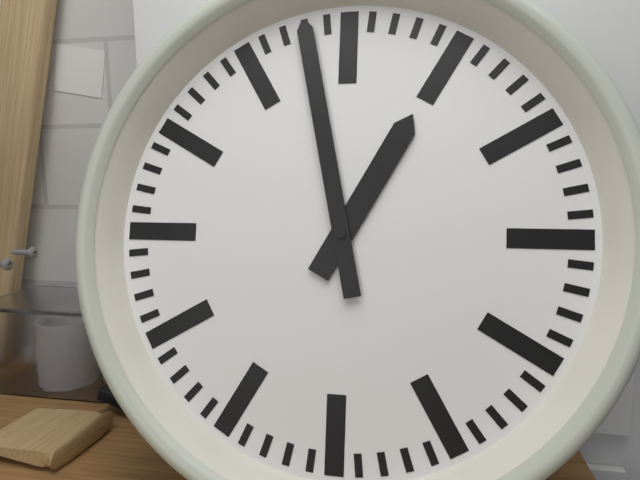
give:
12.58
